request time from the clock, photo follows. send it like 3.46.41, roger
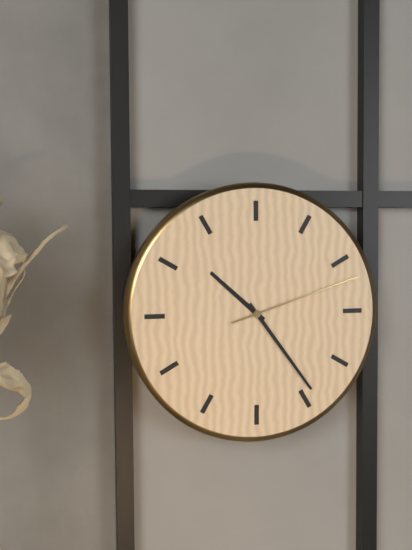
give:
10.24.12
